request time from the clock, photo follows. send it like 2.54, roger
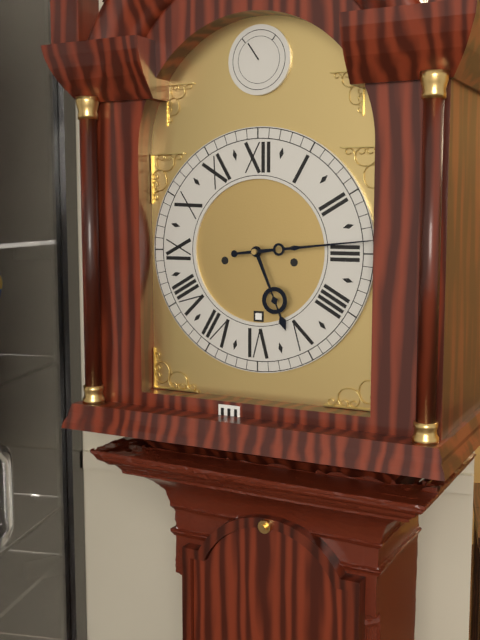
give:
5.14
